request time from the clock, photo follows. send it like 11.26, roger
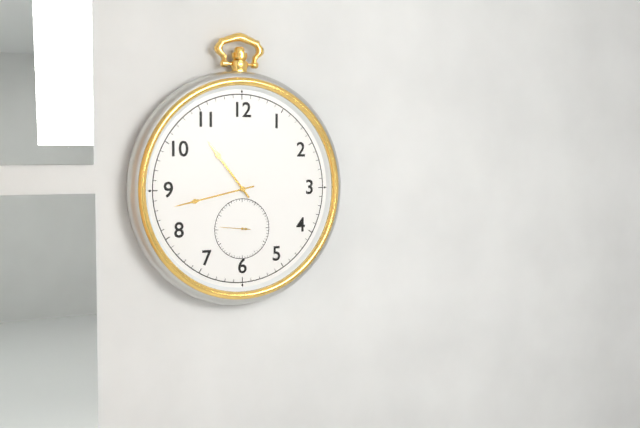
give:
10.43
